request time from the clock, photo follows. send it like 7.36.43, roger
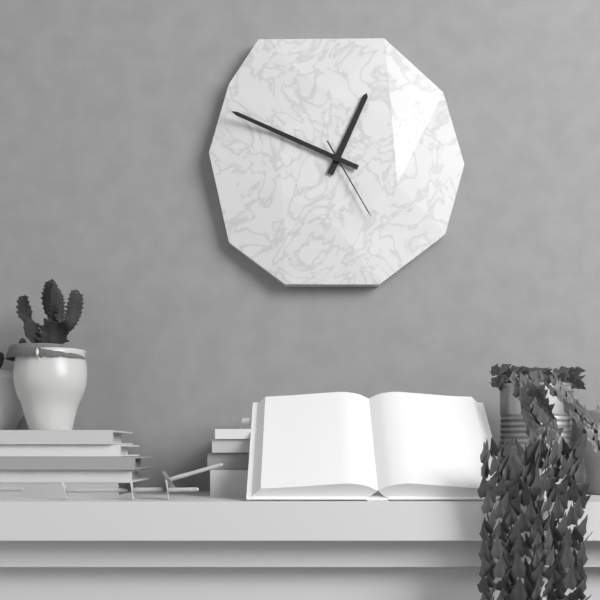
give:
12.49.25
